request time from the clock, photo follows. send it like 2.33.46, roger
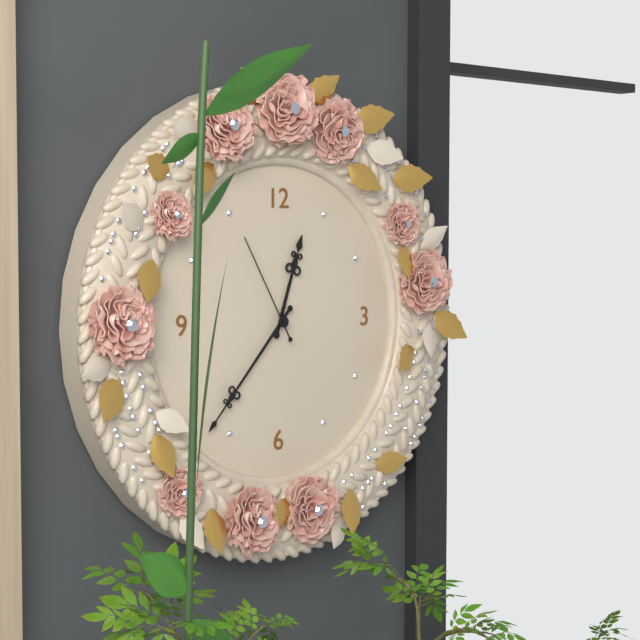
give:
12.37.55
